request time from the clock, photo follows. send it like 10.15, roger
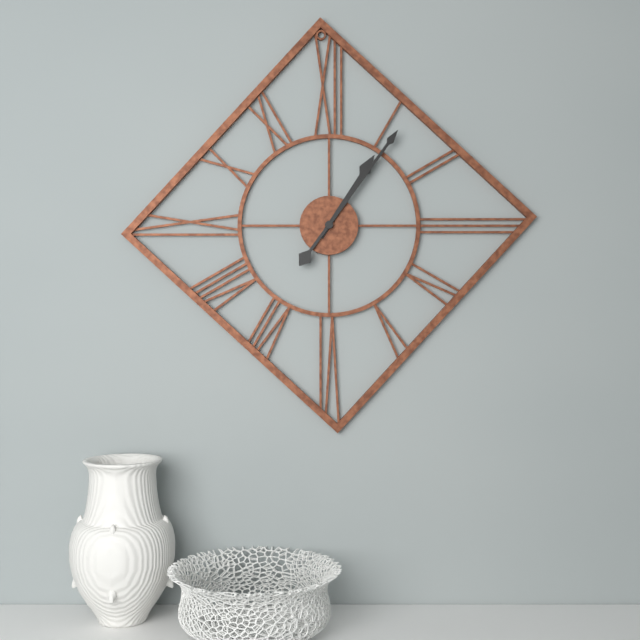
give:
1.06
